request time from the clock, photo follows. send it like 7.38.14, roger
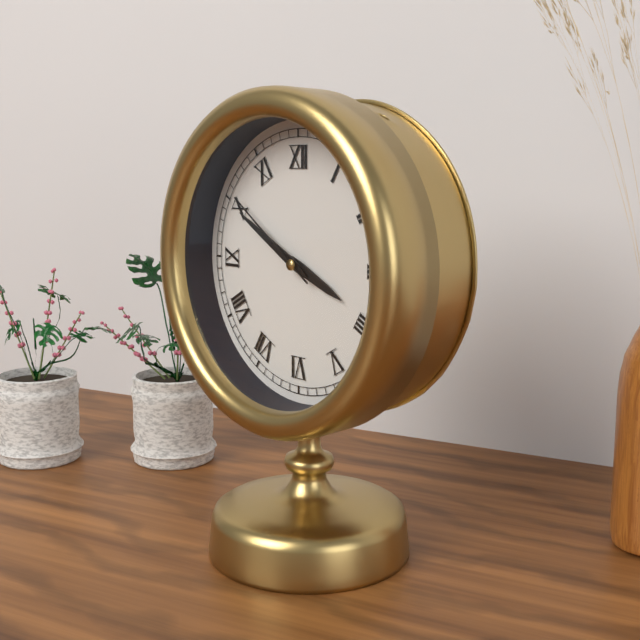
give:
3.50.51
